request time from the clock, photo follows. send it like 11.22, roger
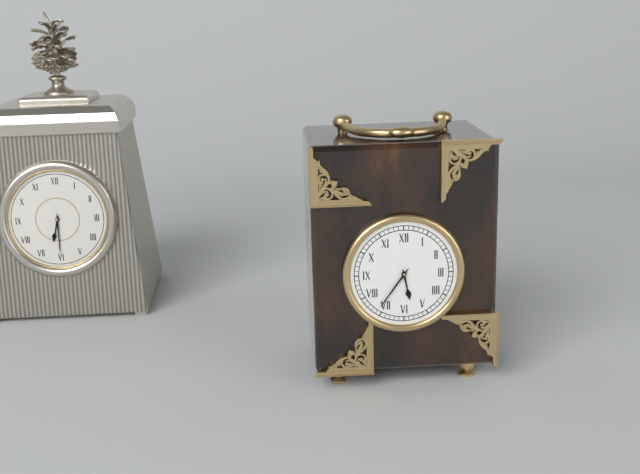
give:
5.36
